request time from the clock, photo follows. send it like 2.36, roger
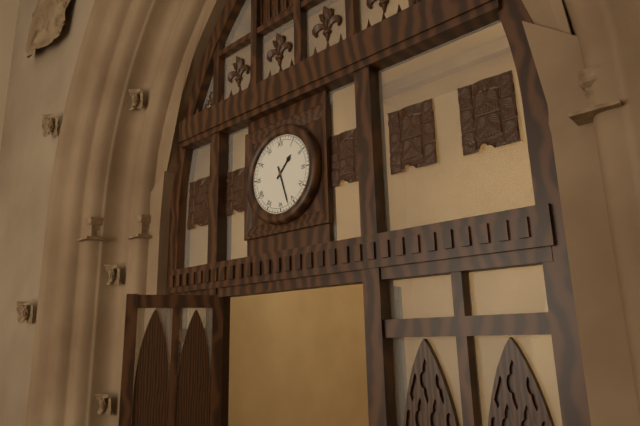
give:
1.27
